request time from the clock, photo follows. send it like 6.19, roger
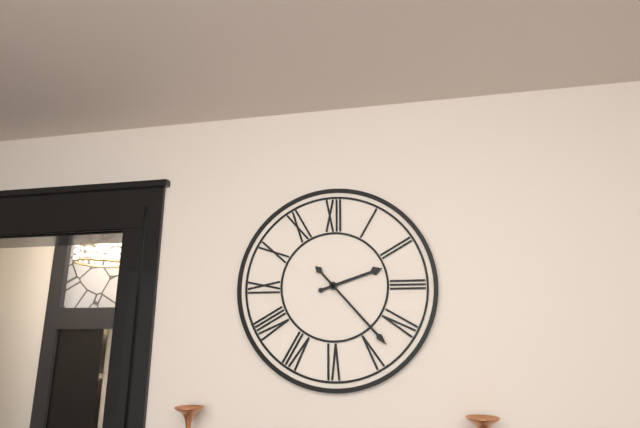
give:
2.23
